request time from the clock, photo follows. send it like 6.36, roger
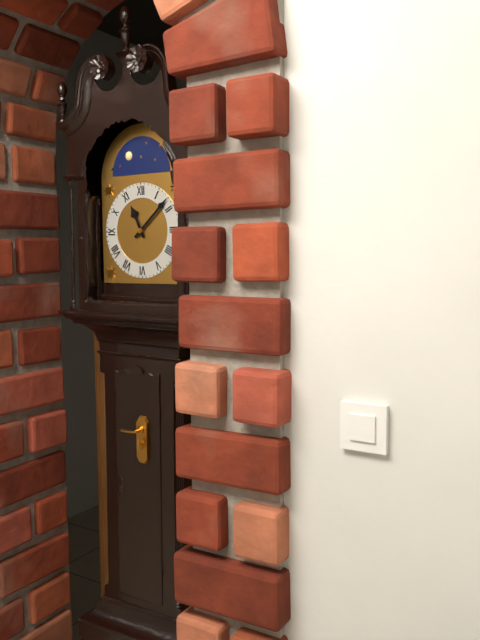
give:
11.08
